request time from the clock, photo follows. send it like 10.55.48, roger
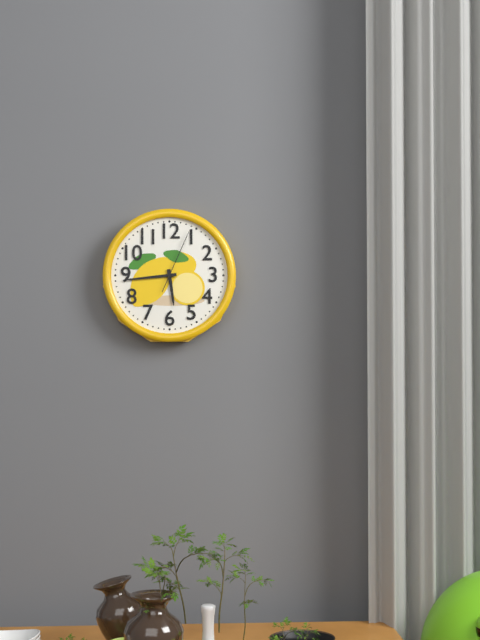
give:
5.44.04
